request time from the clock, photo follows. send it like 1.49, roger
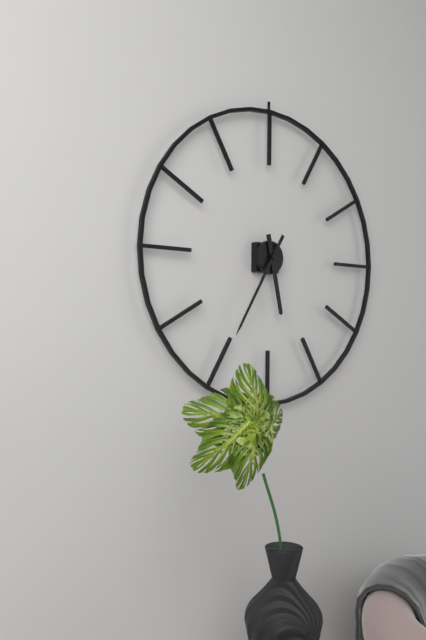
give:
5.35
